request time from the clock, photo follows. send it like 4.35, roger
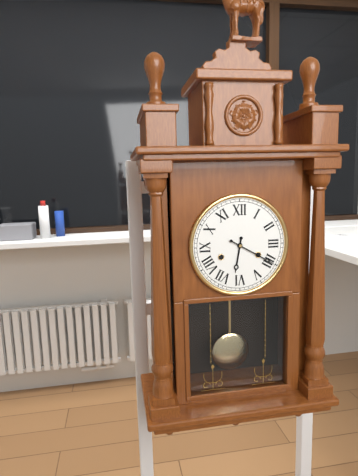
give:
6.20
